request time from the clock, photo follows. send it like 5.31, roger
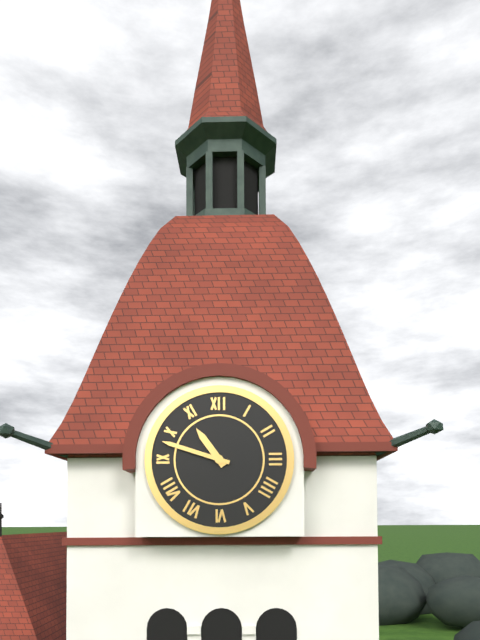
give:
10.48
